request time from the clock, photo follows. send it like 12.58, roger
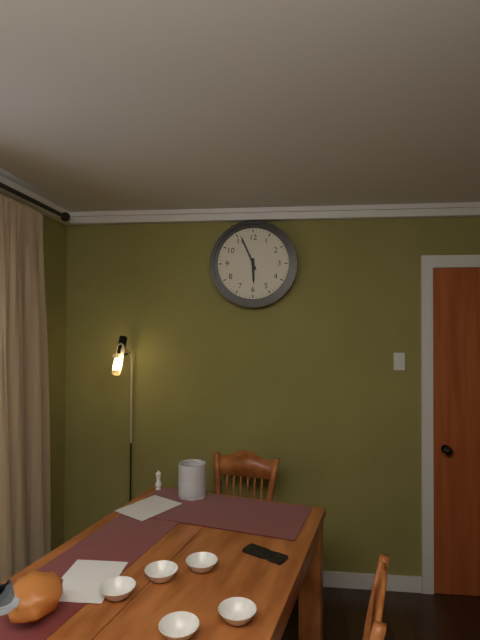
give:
5.56
